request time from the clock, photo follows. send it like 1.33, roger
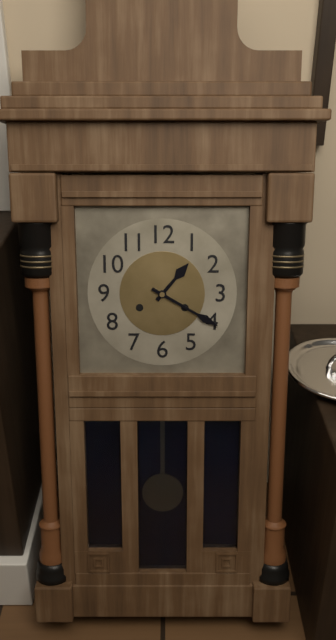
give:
1.20
